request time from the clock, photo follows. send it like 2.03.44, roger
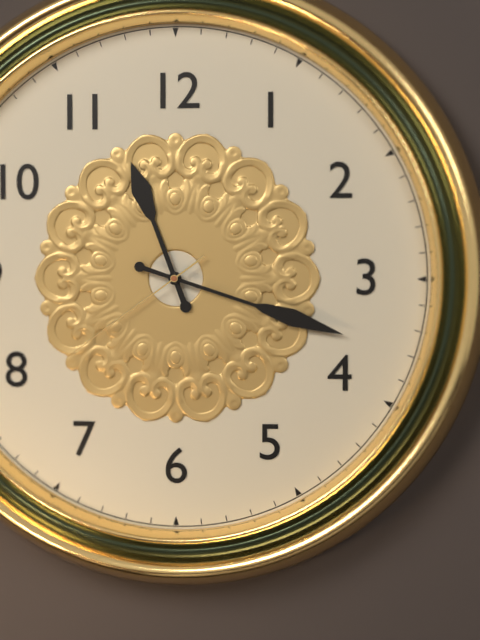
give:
11.18.39
